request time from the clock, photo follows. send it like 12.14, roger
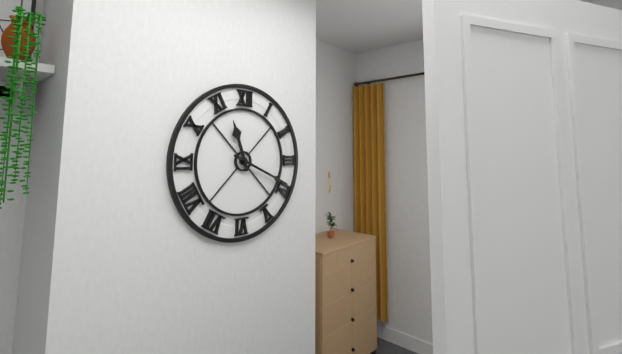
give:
11.19
